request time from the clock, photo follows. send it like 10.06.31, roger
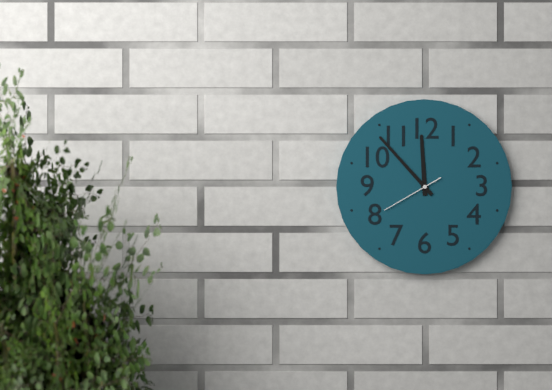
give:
11.53.40
